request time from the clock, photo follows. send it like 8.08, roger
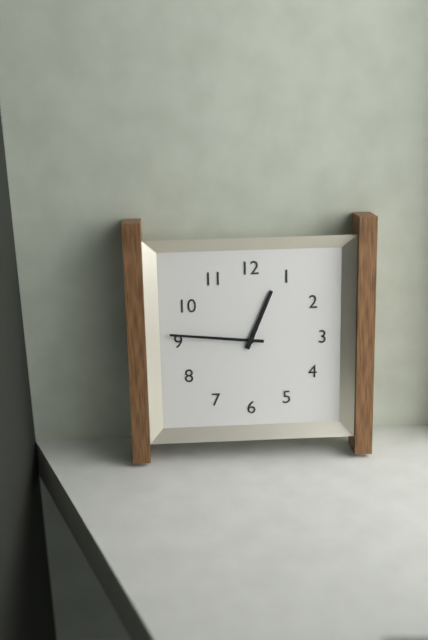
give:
12.46
